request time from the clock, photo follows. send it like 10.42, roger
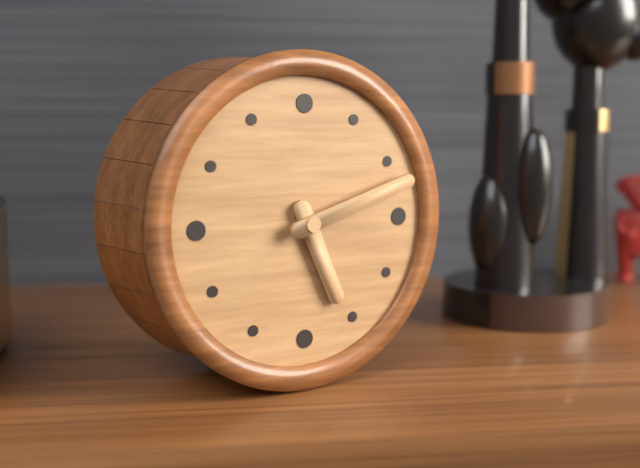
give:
5.12
